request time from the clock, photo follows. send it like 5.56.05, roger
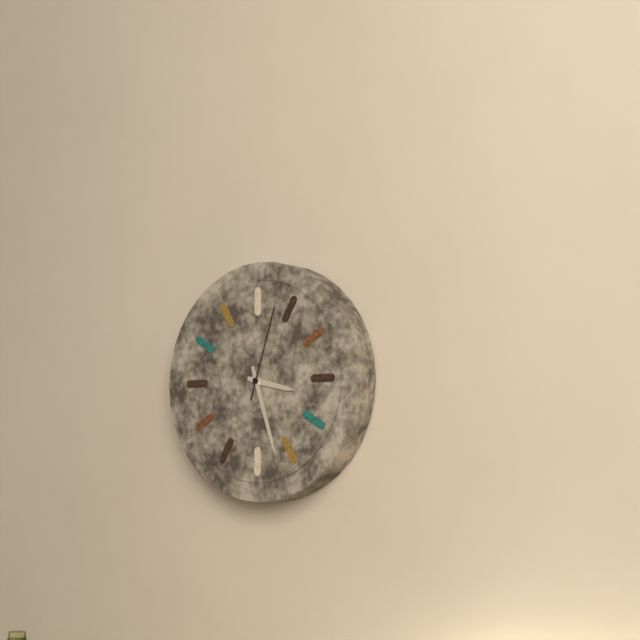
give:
3.27.03
